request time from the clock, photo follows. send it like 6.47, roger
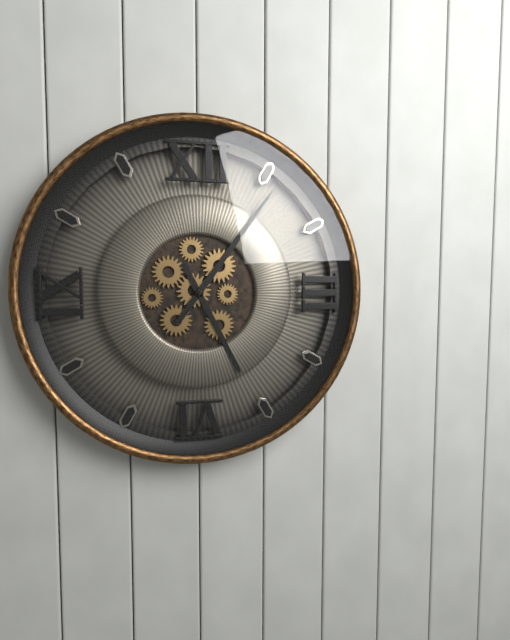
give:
5.06
